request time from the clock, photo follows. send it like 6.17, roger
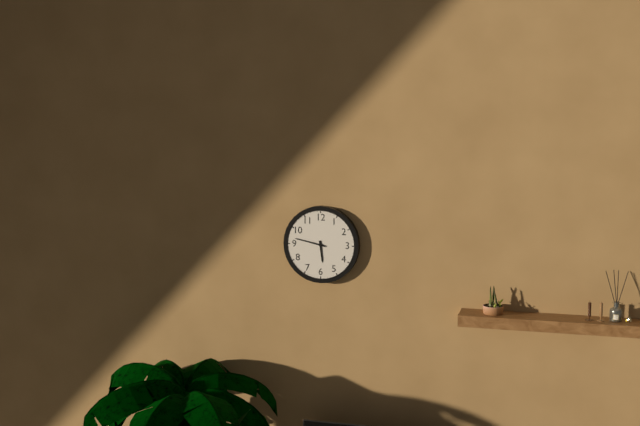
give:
5.47
